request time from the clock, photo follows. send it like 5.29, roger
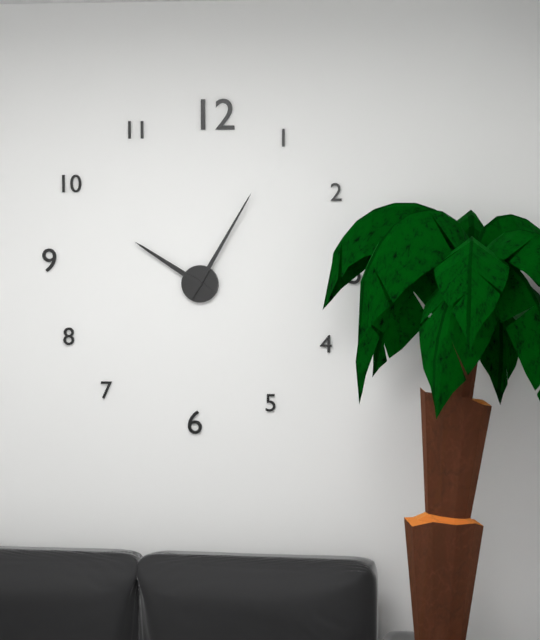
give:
10.05
